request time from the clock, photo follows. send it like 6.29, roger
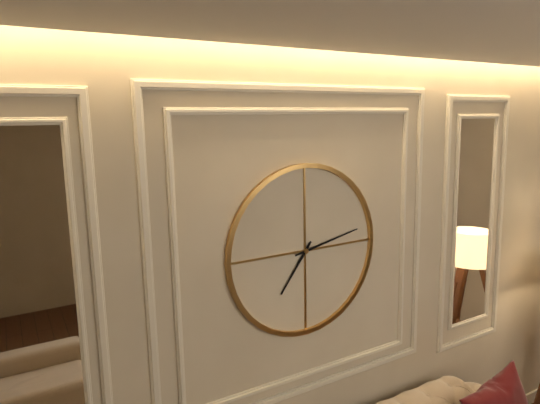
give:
7.13
